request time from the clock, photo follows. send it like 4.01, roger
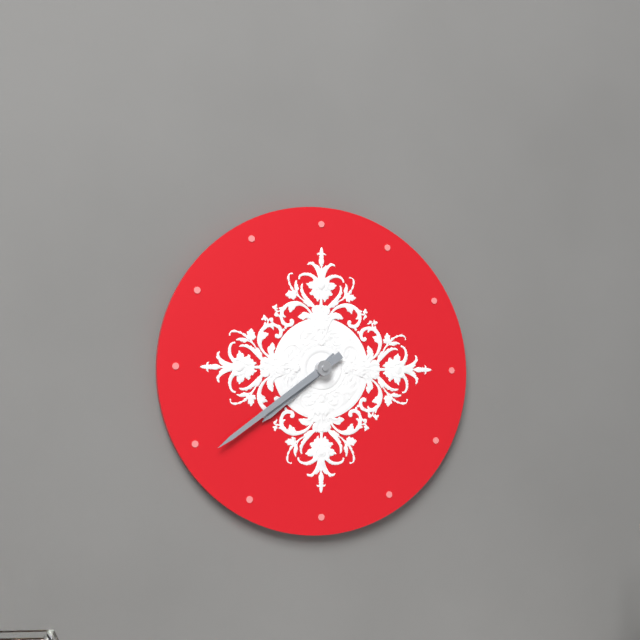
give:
7.39
